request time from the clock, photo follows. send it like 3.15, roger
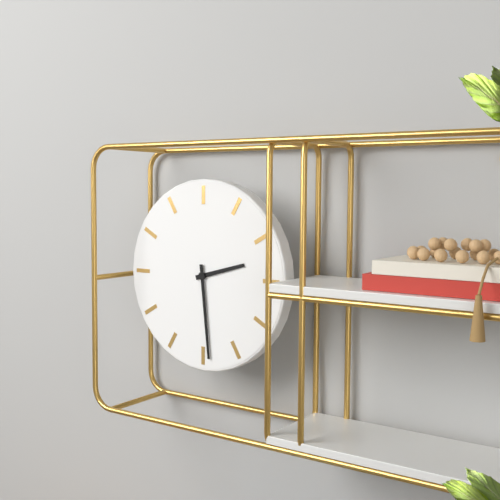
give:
2.29
